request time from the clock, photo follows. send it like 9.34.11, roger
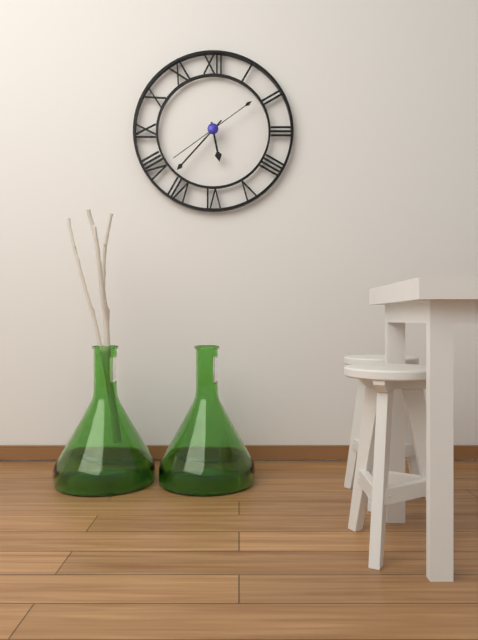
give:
5.37.39
